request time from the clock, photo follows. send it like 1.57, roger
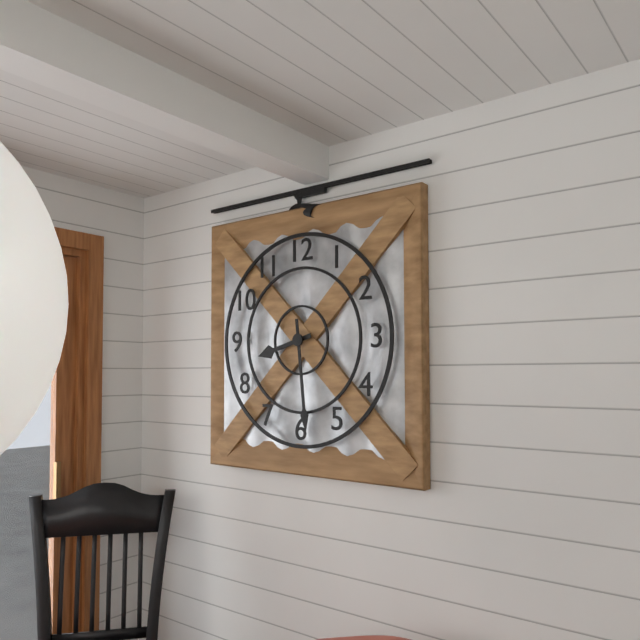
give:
8.29
